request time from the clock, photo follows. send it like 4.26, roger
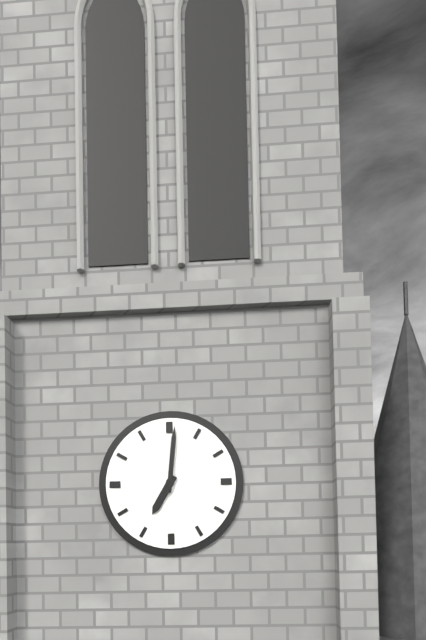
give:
7.01
